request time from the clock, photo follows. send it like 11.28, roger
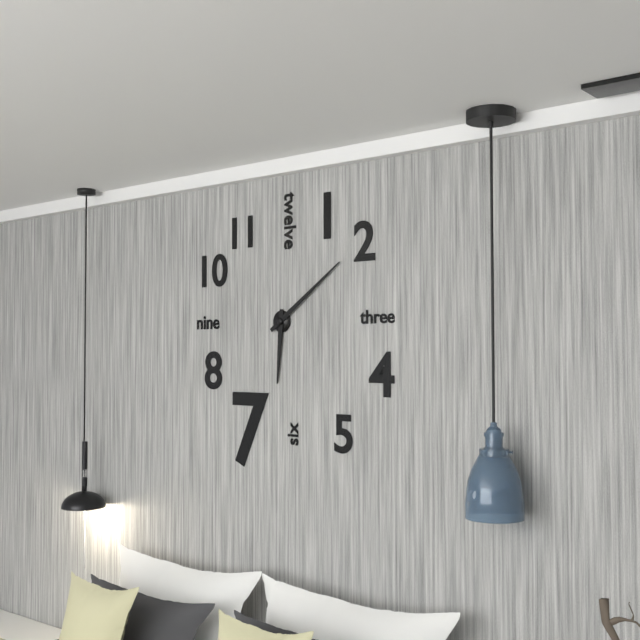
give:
6.09
